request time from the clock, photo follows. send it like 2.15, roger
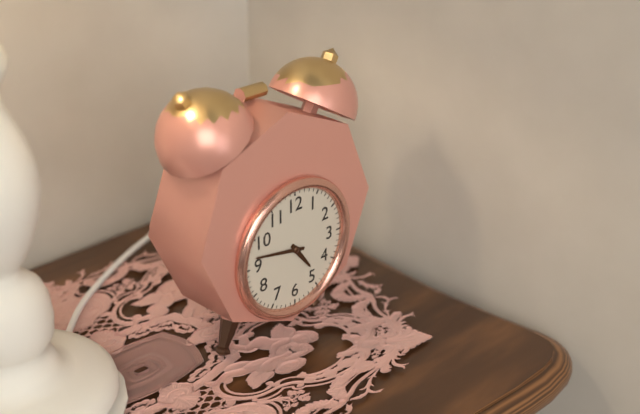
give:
4.47
